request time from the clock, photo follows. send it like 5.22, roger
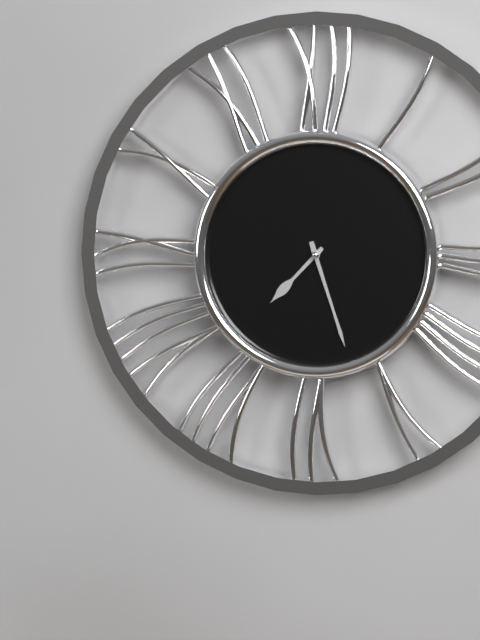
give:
7.27
